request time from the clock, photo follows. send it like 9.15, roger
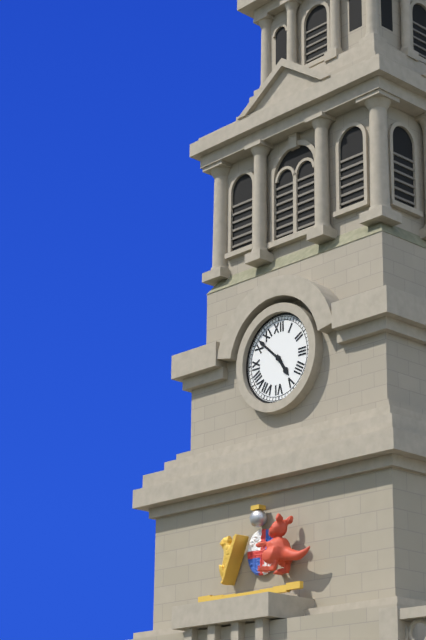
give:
4.52
